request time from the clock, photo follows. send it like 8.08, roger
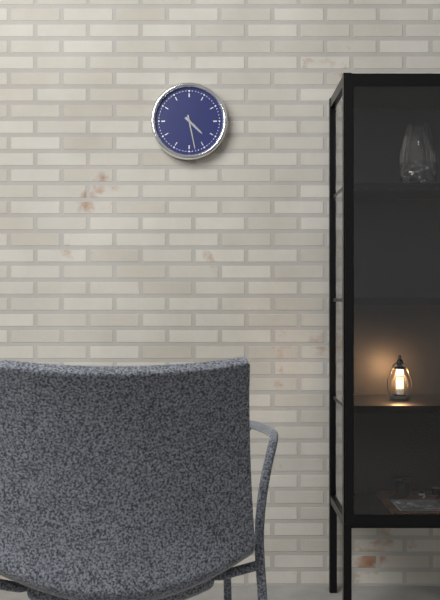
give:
4.28
